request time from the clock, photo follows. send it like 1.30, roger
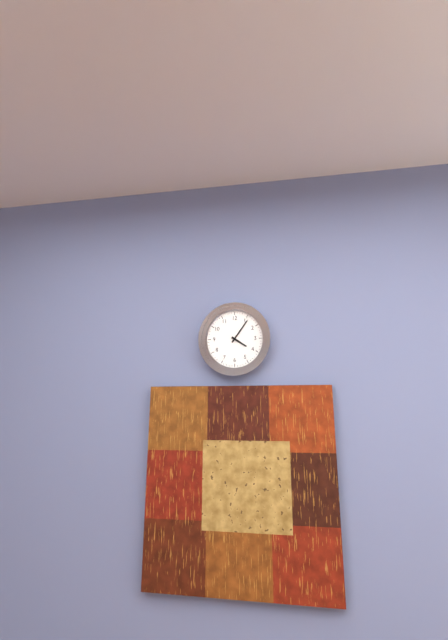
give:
4.06
